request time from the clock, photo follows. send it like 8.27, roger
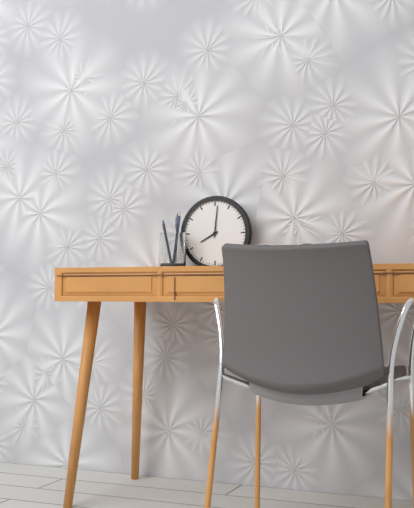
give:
8.01
